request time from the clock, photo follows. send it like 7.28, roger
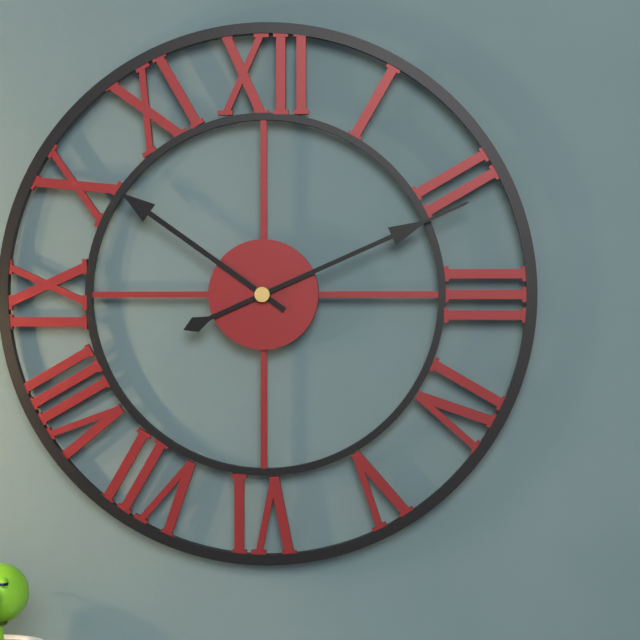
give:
10.11
